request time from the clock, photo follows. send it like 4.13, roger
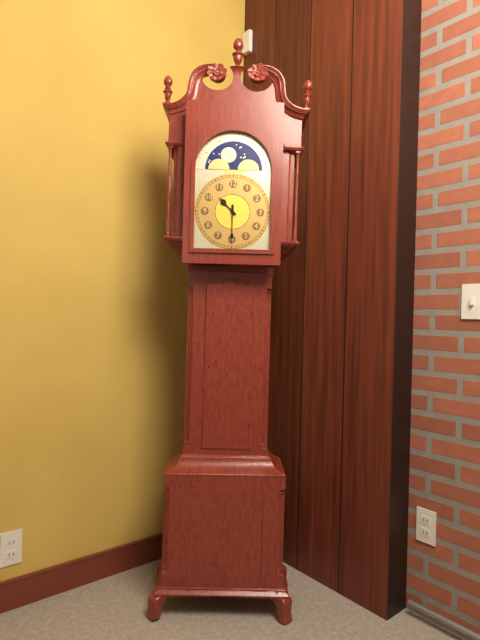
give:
10.30
